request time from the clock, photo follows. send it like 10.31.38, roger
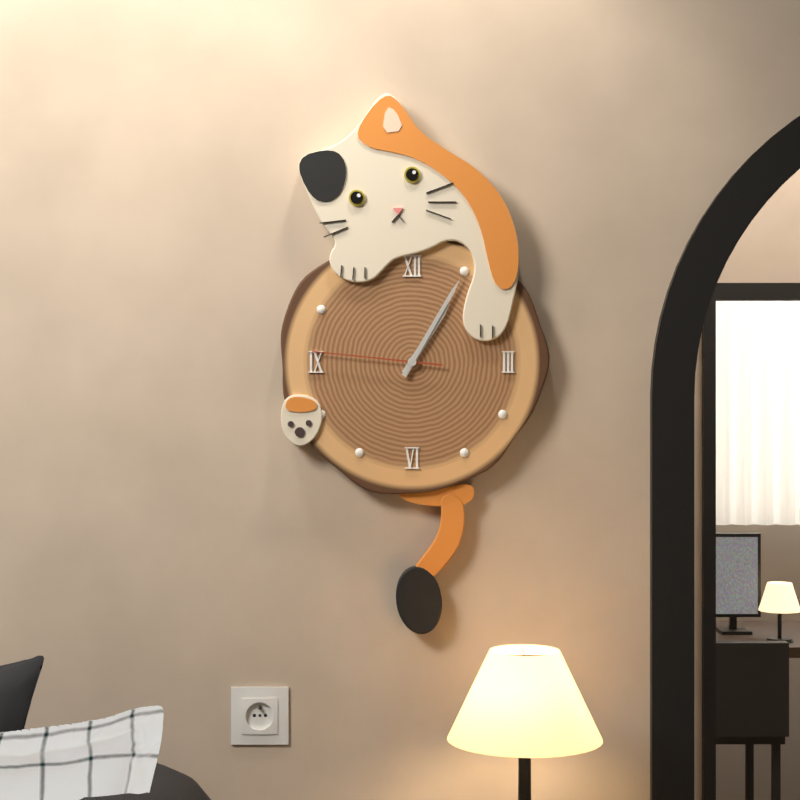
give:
1.05.46
